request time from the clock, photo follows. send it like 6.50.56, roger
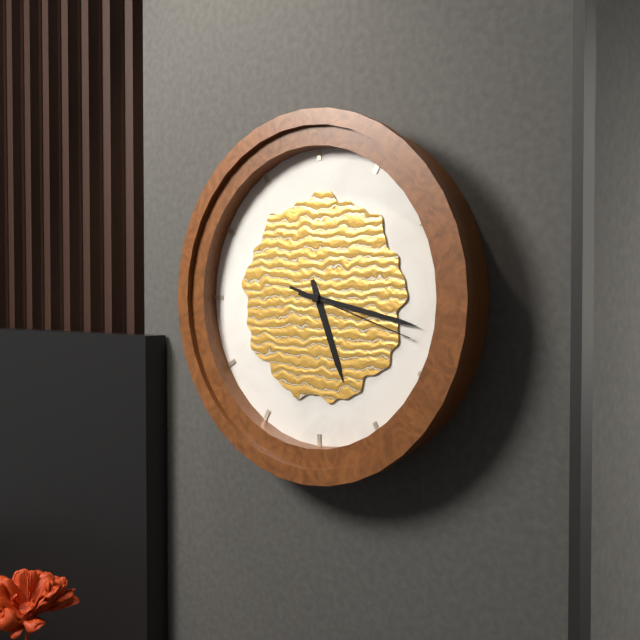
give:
5.17.18
